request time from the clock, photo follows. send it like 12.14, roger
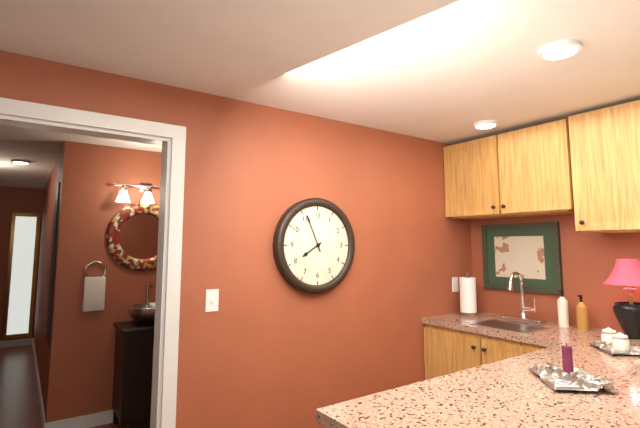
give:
7.56
